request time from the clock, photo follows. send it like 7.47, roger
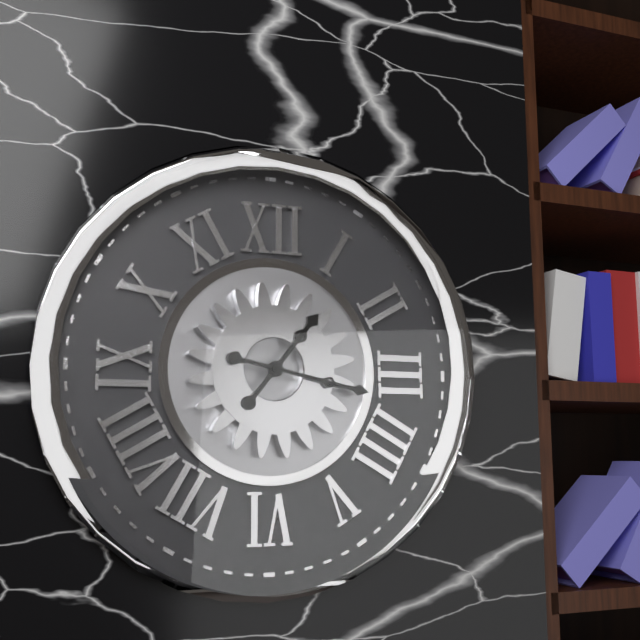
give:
1.17
